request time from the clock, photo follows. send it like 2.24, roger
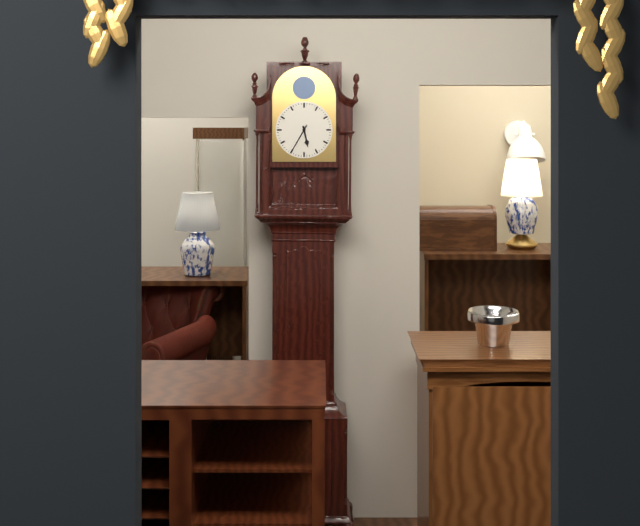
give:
5.35
